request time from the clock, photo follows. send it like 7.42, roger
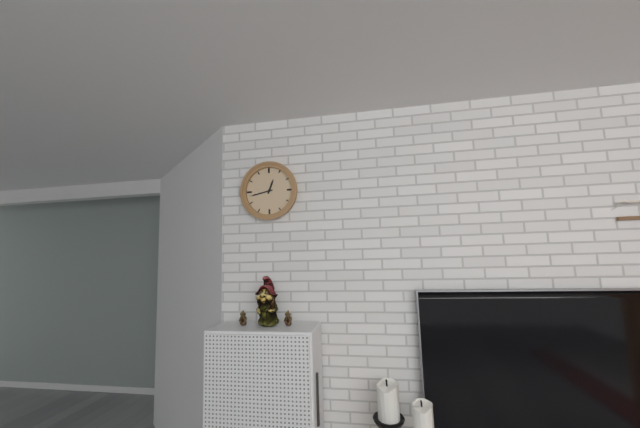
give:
12.43
